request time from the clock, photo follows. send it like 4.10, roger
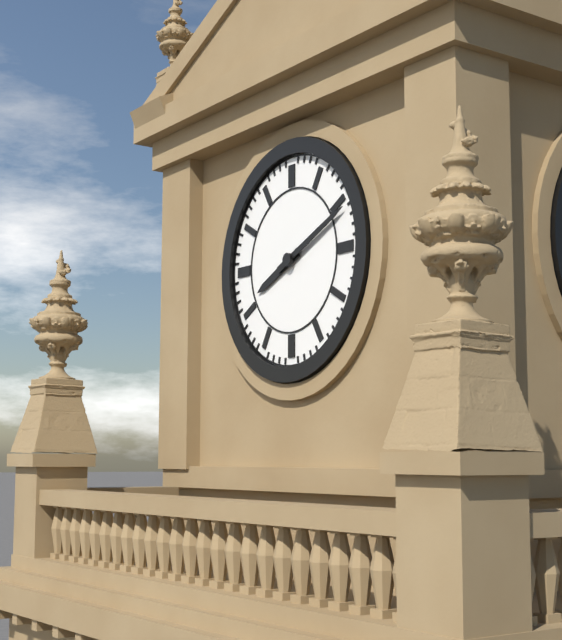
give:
8.11
